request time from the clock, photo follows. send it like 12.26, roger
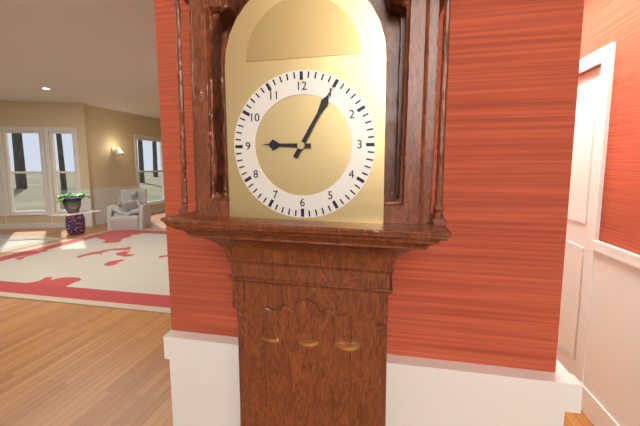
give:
9.05
